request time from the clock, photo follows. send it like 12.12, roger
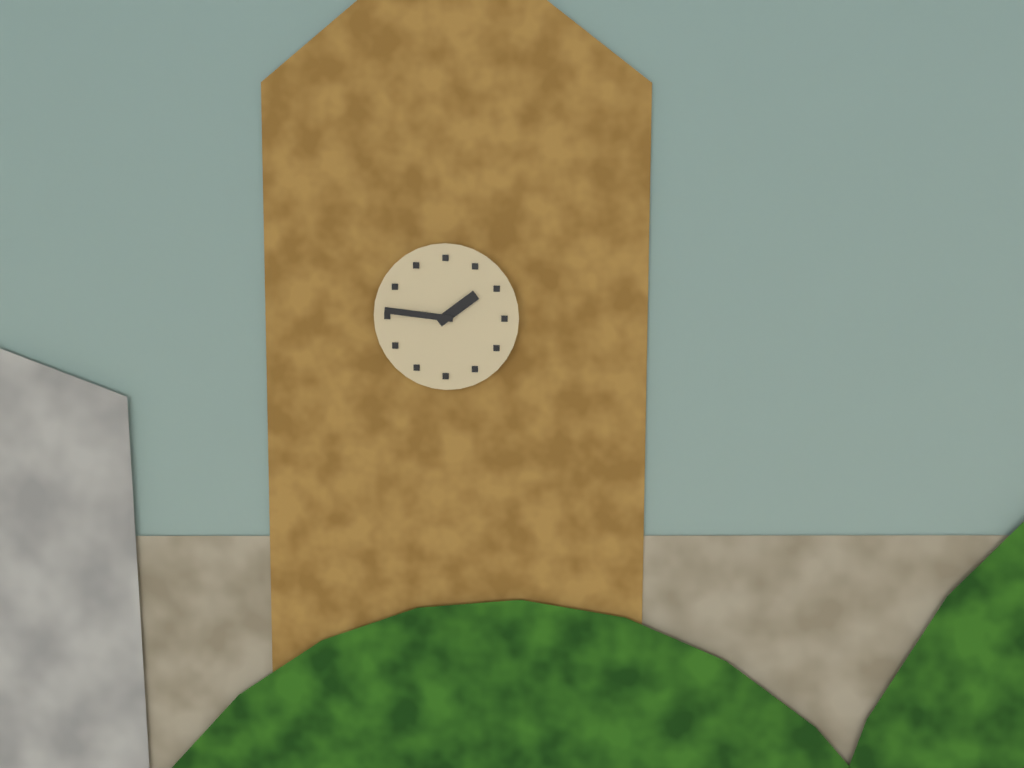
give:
1.46
